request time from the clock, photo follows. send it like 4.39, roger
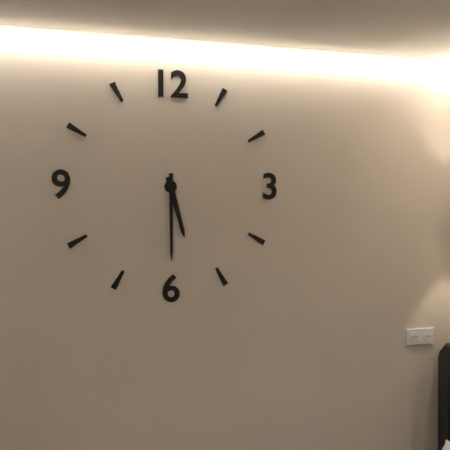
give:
5.30
